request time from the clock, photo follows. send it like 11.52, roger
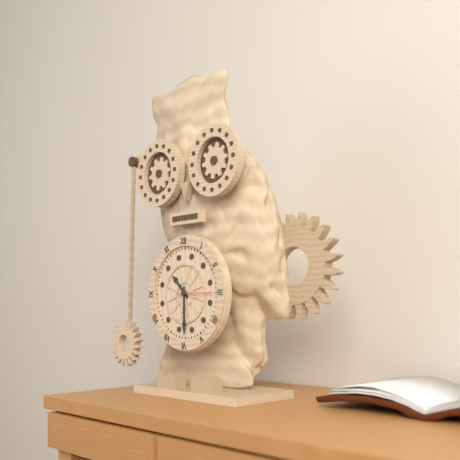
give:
10.30
